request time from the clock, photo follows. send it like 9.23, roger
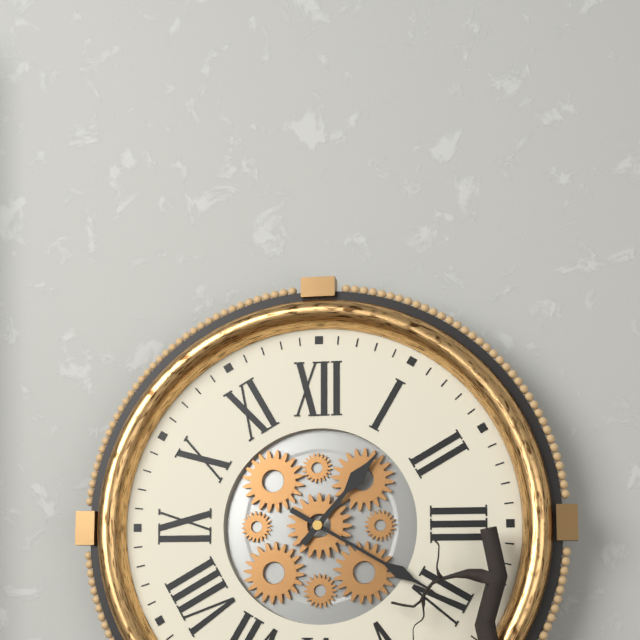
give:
1.20
